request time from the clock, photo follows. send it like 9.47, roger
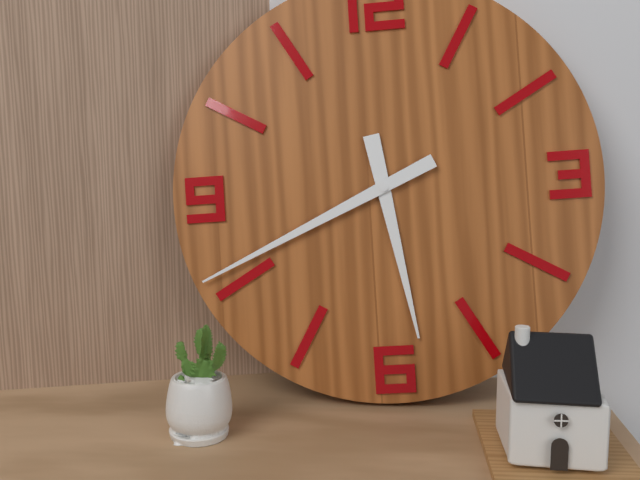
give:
5.41
